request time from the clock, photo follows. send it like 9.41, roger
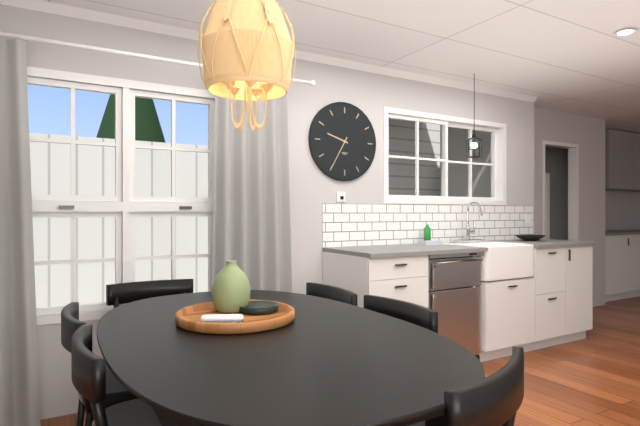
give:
9.35
